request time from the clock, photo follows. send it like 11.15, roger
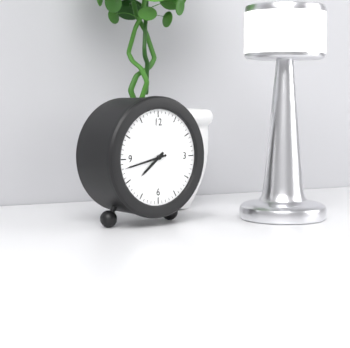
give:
7.43
